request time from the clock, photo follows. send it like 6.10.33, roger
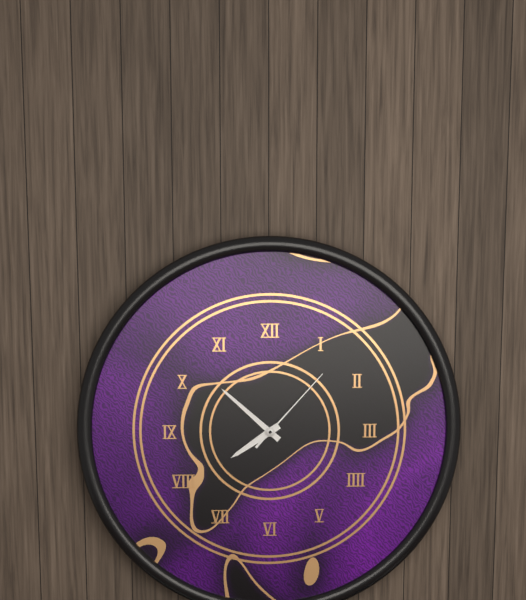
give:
7.52.07
